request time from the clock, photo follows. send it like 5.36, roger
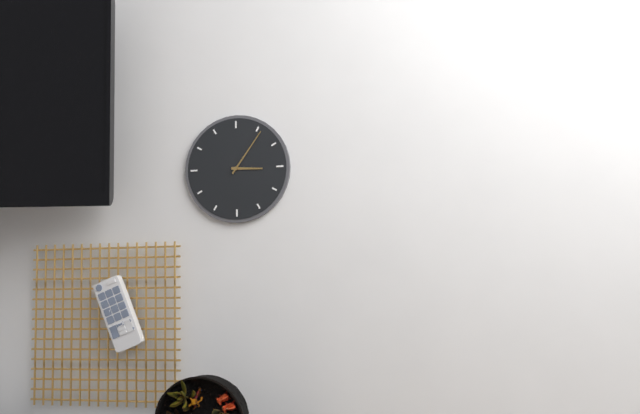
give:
3.06
